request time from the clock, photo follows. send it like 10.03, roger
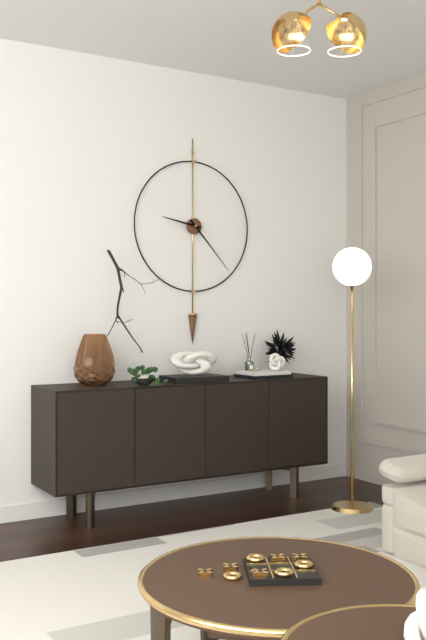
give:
9.23
